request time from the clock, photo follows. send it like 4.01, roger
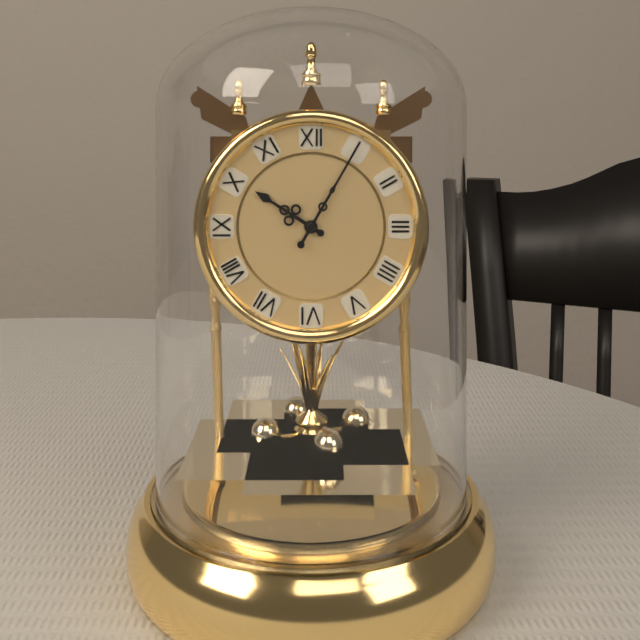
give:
10.05
